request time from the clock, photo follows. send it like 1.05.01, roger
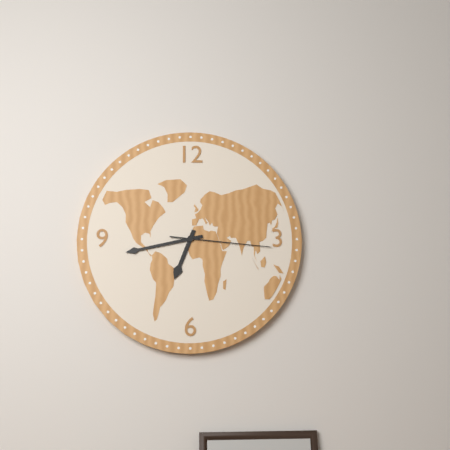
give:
6.43.16
